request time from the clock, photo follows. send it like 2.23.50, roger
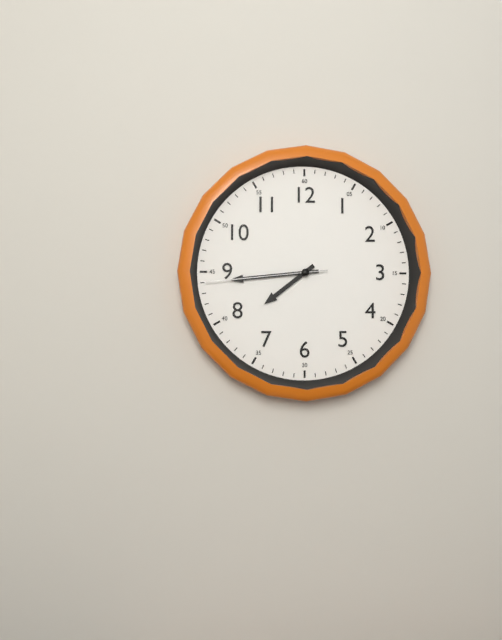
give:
7.44.44
